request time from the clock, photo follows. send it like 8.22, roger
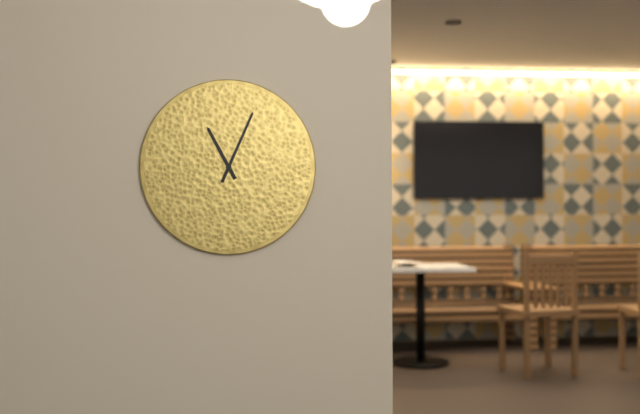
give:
11.04
